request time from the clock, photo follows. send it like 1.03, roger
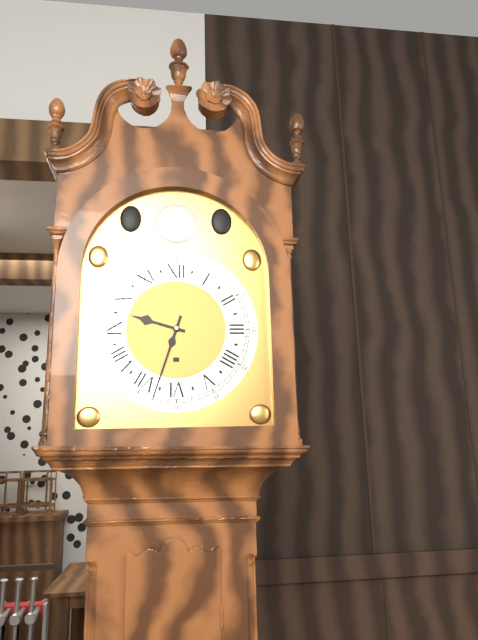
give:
9.33
